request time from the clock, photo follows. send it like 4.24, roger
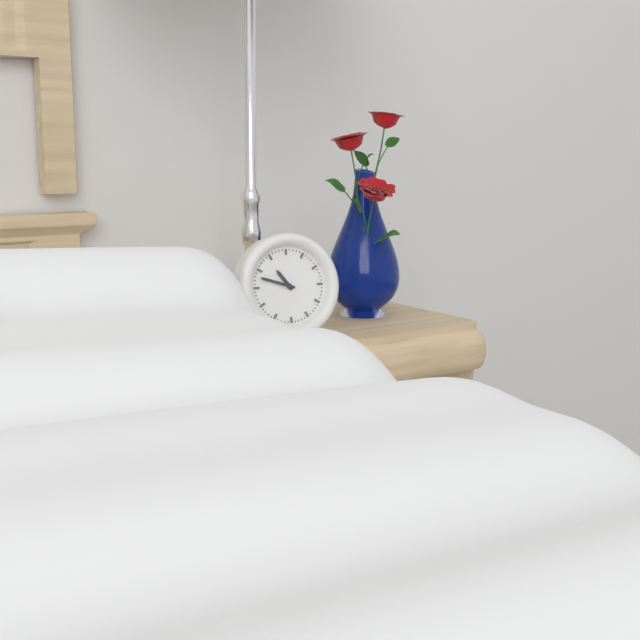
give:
10.48
